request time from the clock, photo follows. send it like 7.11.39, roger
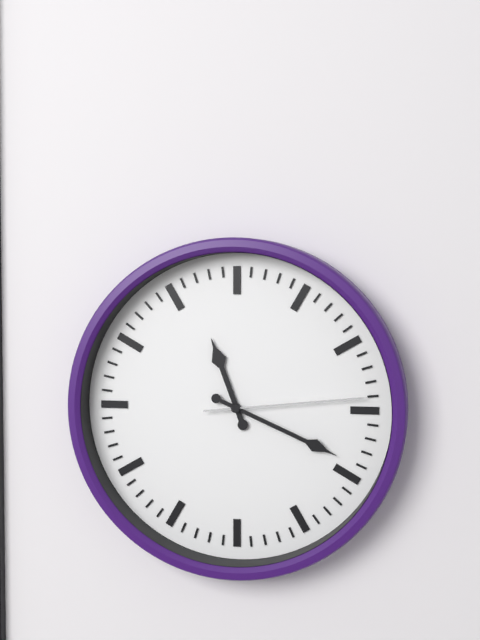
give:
11.19.14
